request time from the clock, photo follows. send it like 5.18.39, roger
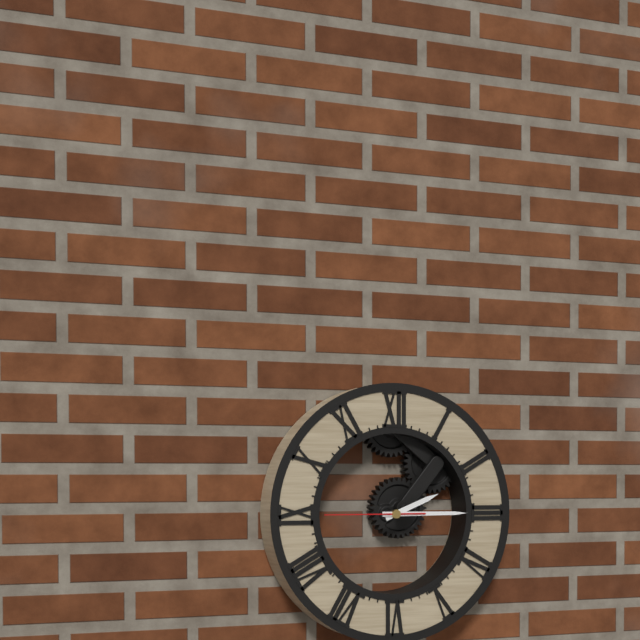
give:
2.15.45
